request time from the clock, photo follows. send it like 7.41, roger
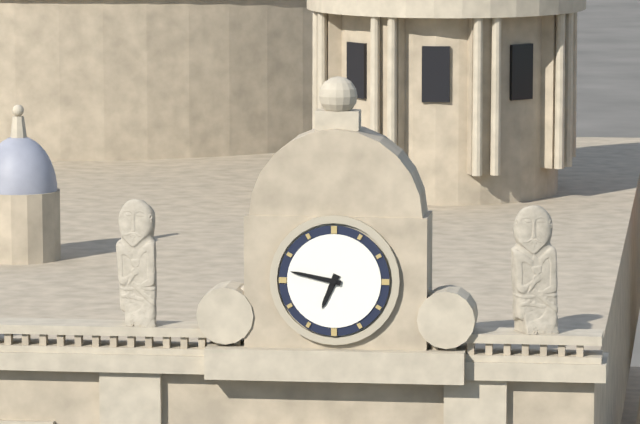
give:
6.47
